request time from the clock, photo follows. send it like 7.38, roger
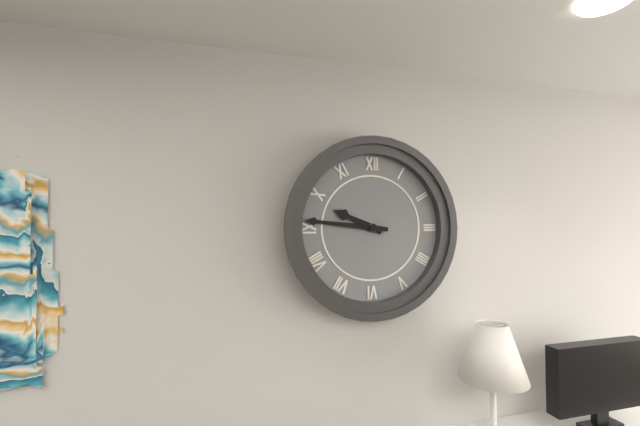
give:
9.46
